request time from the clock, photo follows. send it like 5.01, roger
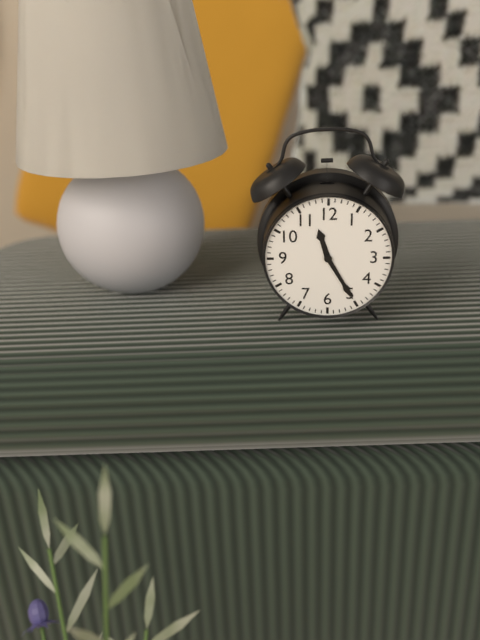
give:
11.25
